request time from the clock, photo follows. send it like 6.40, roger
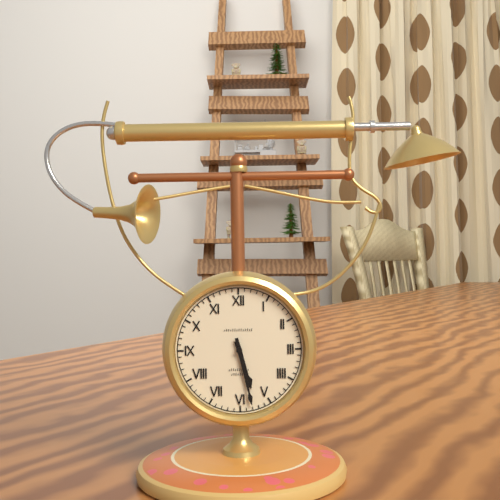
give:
5.28
